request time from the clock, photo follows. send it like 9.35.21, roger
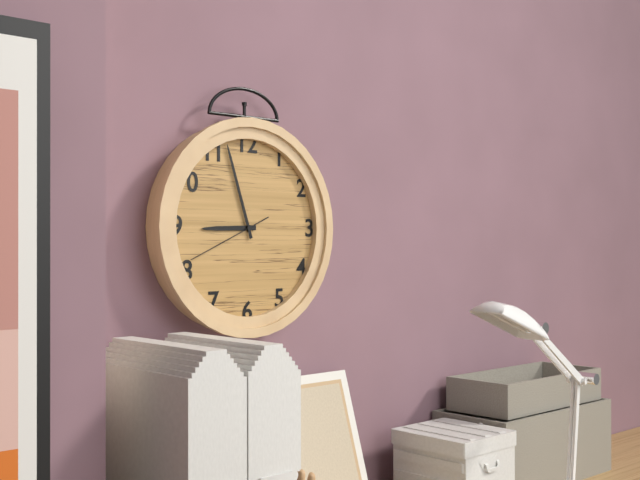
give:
8.57.41
